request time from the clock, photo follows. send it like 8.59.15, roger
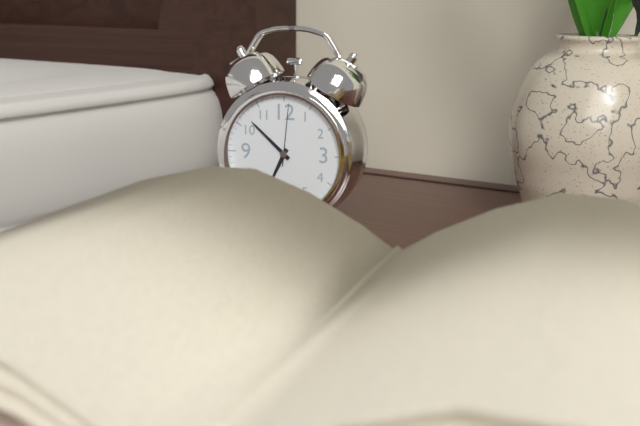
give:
6.52.01
